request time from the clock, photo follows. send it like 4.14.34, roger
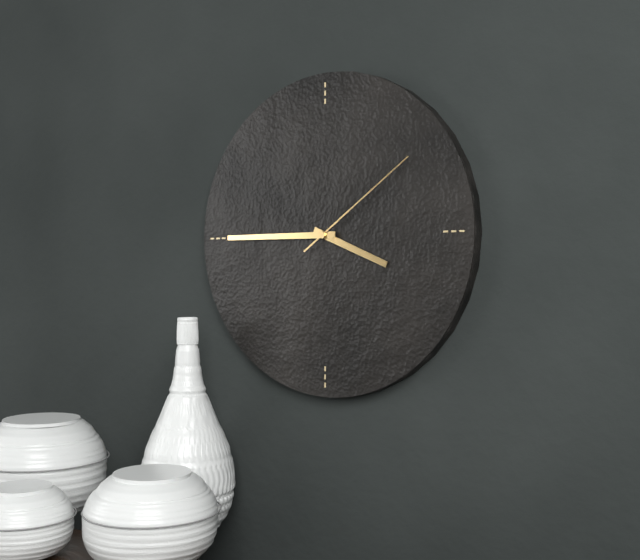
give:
3.45.09
